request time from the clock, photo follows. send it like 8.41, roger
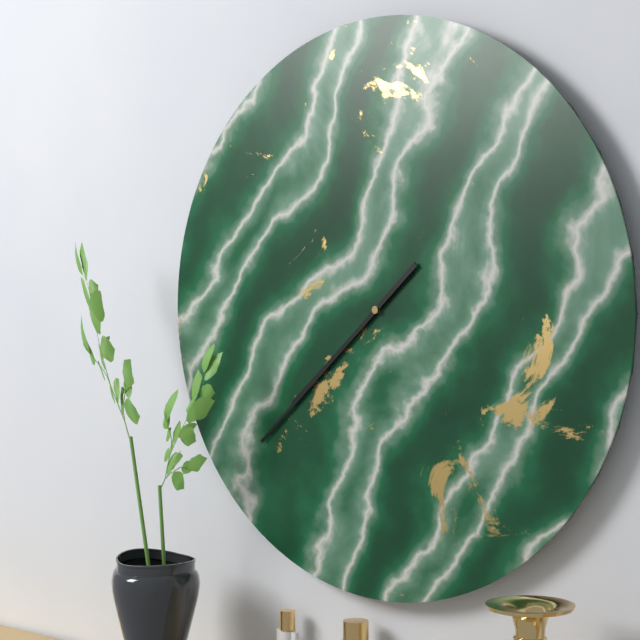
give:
7.38
